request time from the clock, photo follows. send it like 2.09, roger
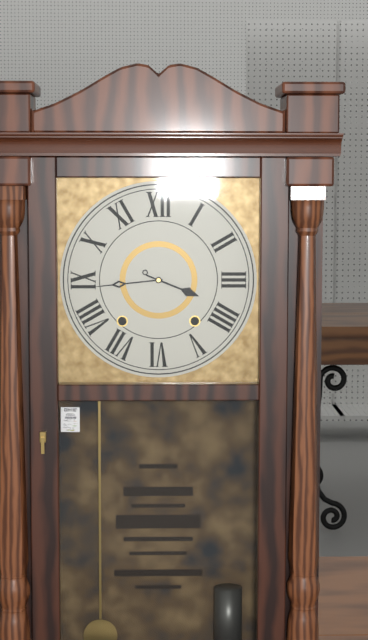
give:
3.44
